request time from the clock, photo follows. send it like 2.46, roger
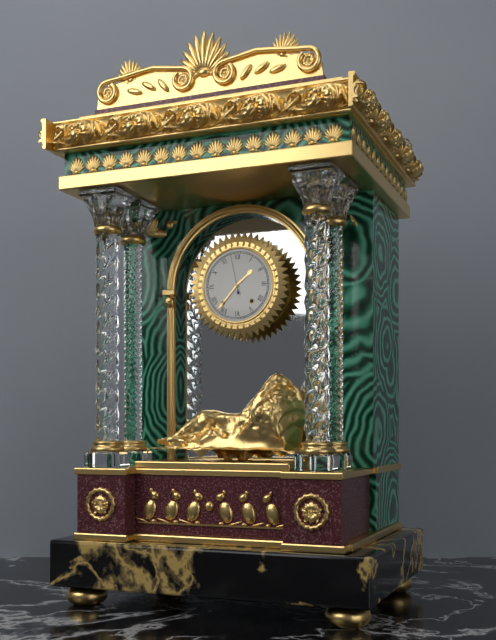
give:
1.37
